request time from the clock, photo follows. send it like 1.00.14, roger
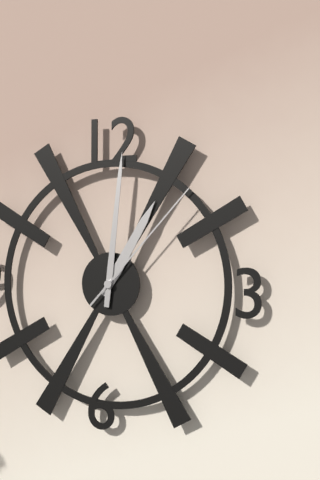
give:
1.01.07
